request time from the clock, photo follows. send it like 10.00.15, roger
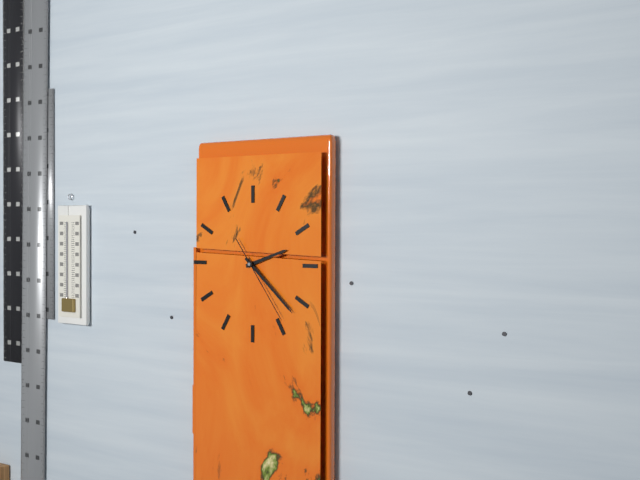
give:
2.22.24
